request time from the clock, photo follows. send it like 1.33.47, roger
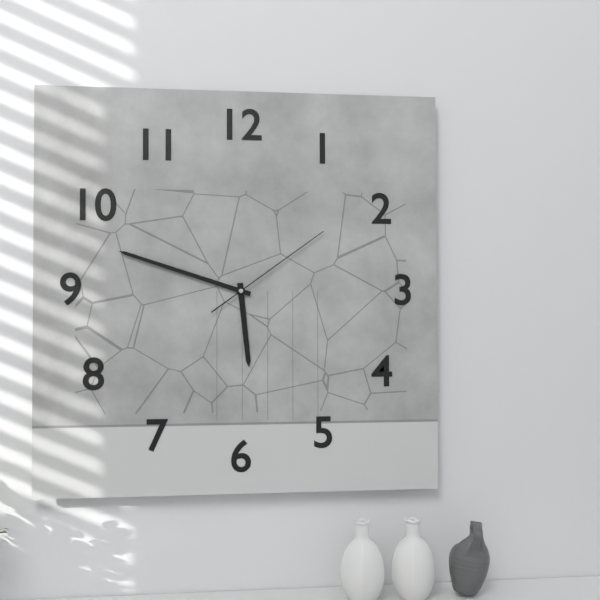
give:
5.48.09
